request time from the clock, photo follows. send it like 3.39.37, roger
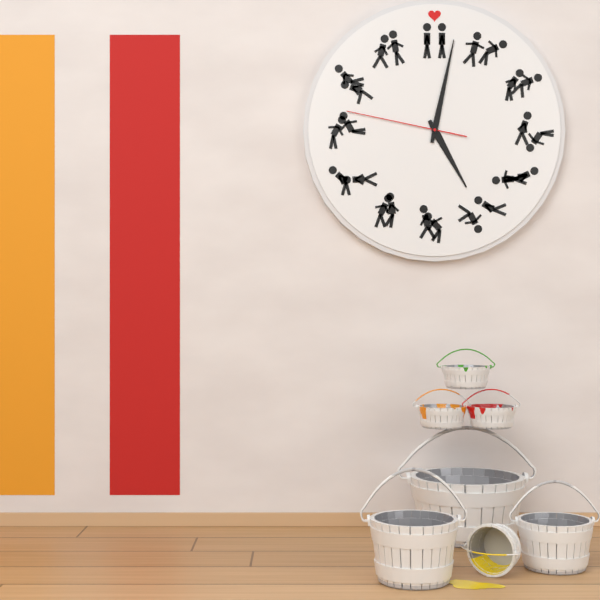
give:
5.02.47
